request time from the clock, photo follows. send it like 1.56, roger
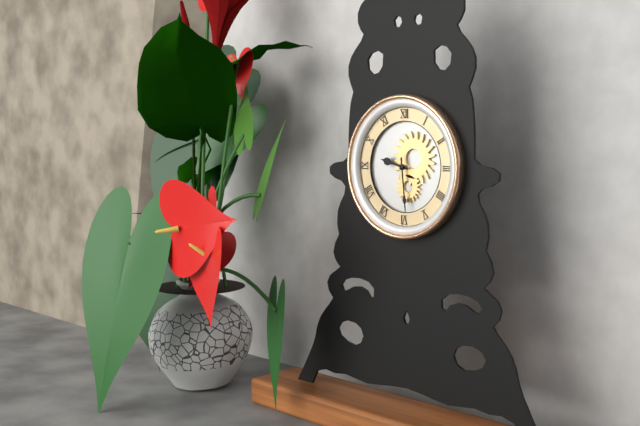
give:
9.29
